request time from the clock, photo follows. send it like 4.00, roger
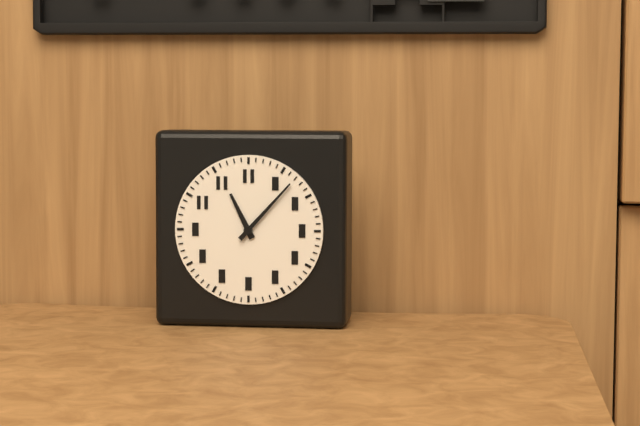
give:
11.07
